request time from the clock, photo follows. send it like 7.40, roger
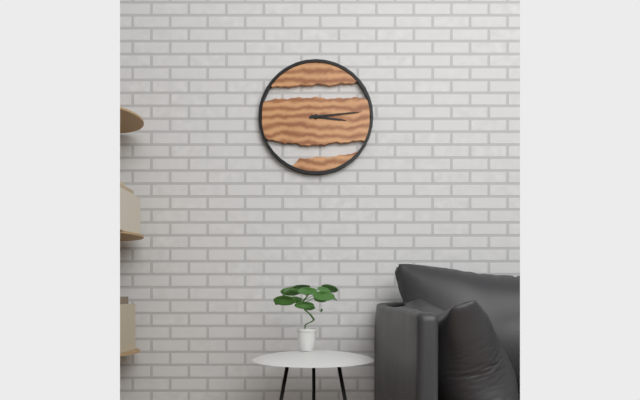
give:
3.14
